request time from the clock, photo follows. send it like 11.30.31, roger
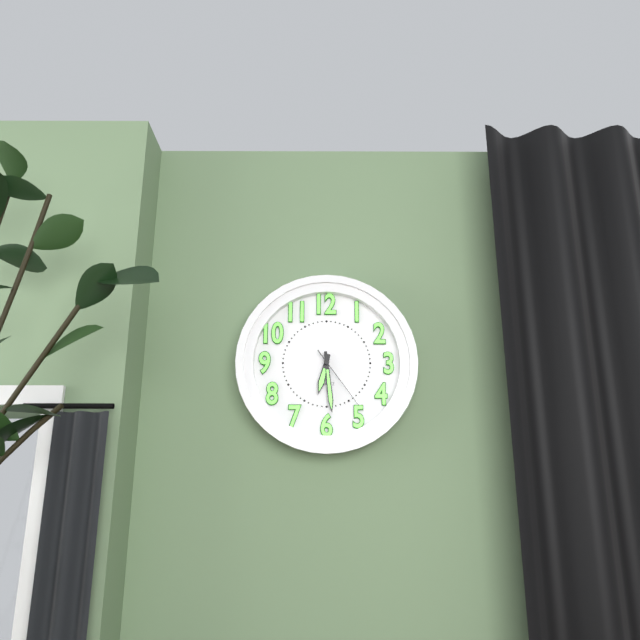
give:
6.29.24
